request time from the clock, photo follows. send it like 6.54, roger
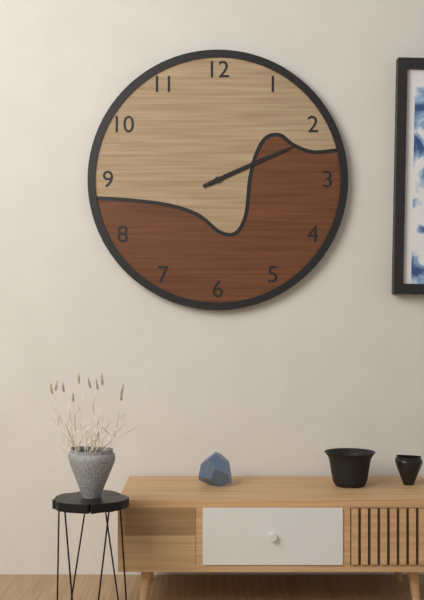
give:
2.11
